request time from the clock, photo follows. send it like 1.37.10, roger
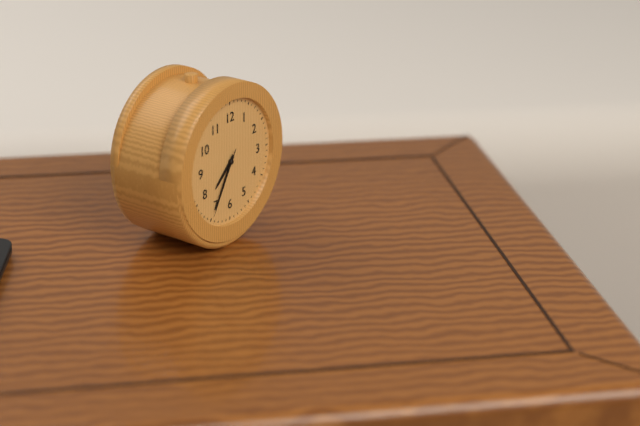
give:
7.35.35
